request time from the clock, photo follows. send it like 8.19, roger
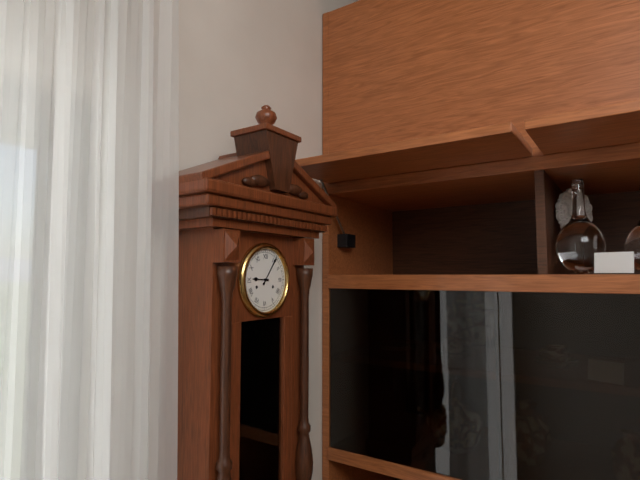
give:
9.06
